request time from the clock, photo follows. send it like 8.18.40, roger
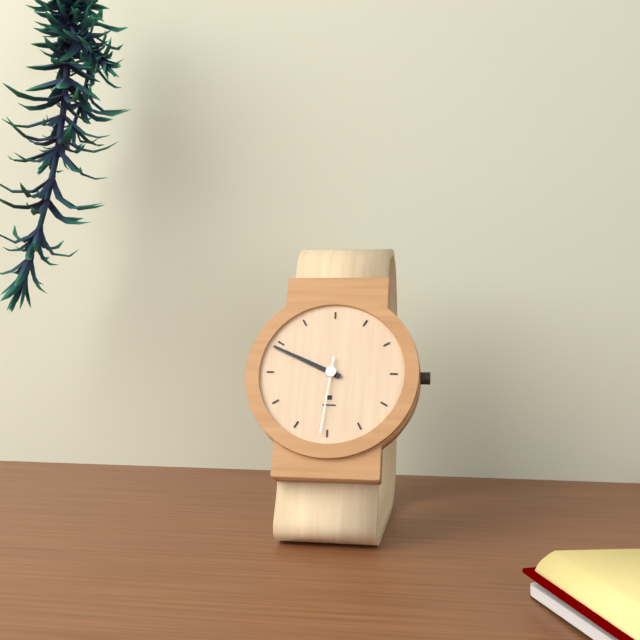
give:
9.49.31
